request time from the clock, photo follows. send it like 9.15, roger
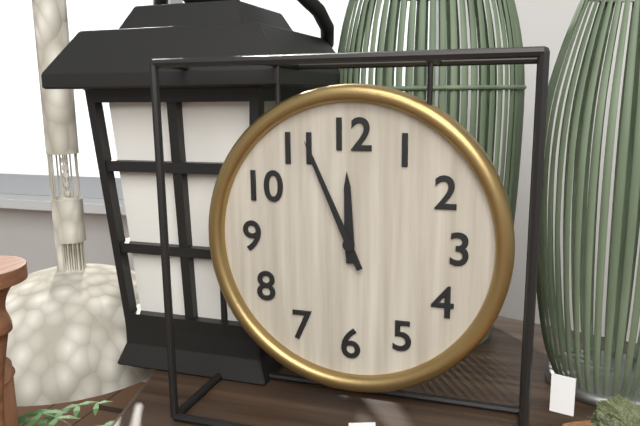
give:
11.56
